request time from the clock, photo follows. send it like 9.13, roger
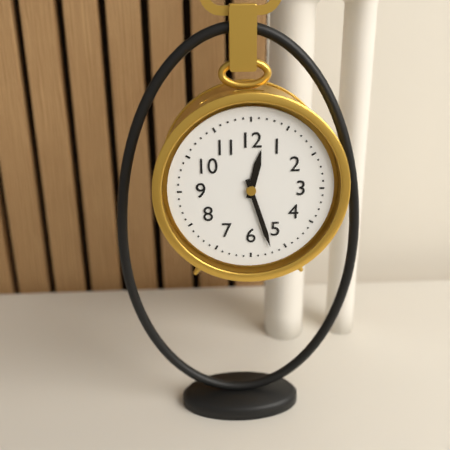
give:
12.27
